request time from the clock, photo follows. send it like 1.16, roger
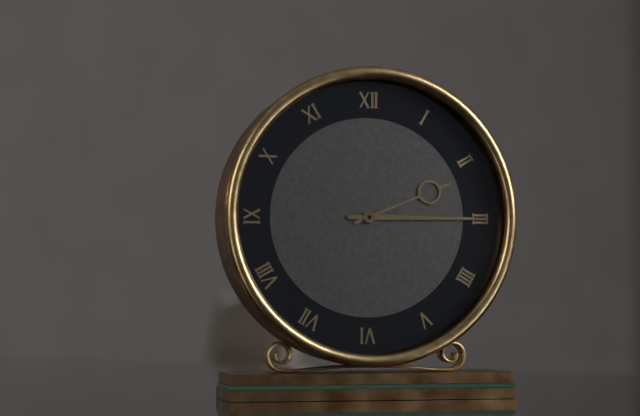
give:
2.15
